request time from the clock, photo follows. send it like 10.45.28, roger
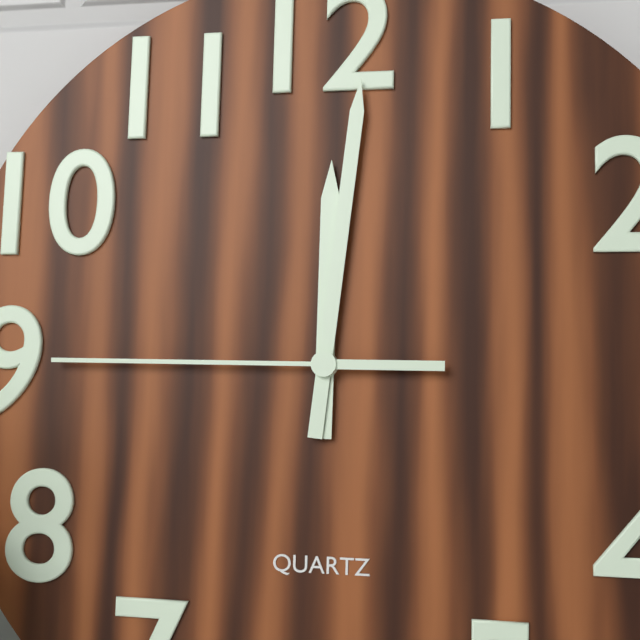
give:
12.01.45
